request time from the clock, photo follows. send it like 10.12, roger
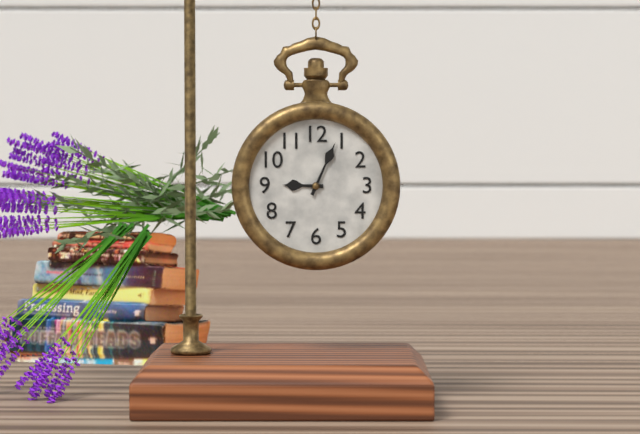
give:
9.04
